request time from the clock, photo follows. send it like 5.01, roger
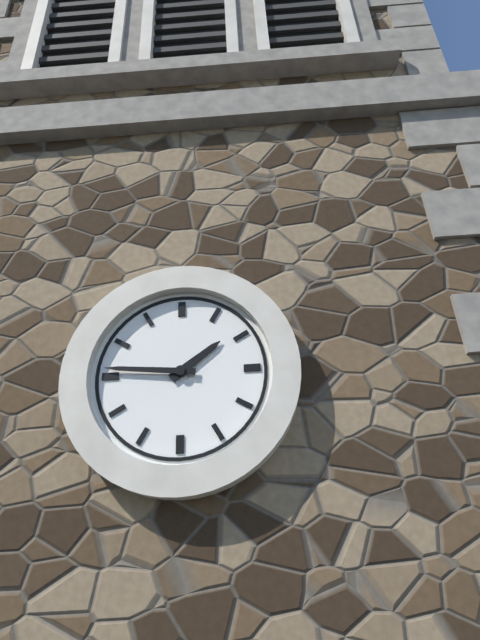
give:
1.46
